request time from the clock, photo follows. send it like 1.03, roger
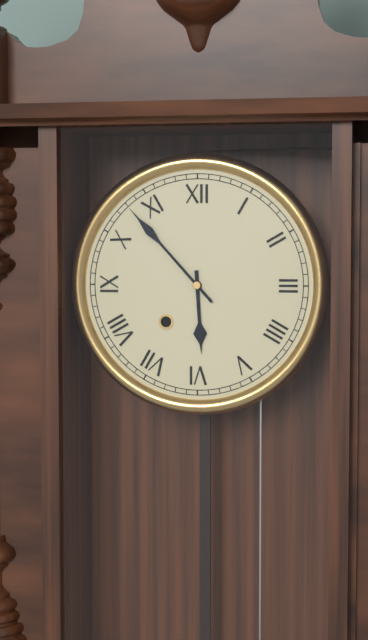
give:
5.53
